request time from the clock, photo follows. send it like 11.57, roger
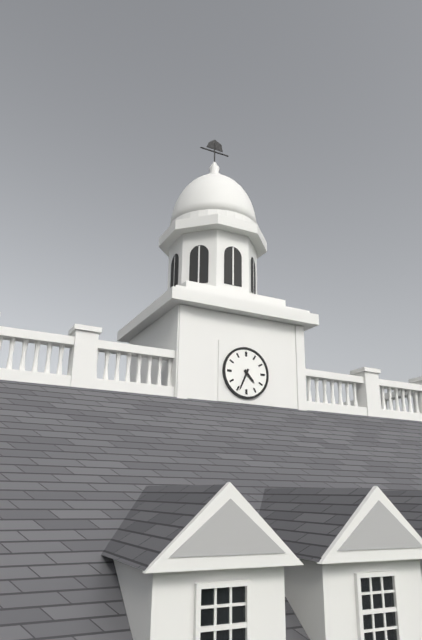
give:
4.34
